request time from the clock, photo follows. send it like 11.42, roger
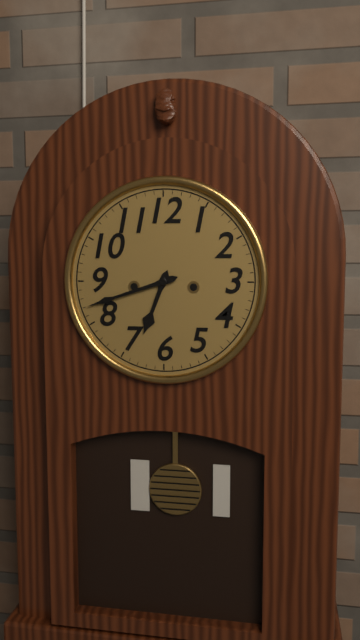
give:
6.42
